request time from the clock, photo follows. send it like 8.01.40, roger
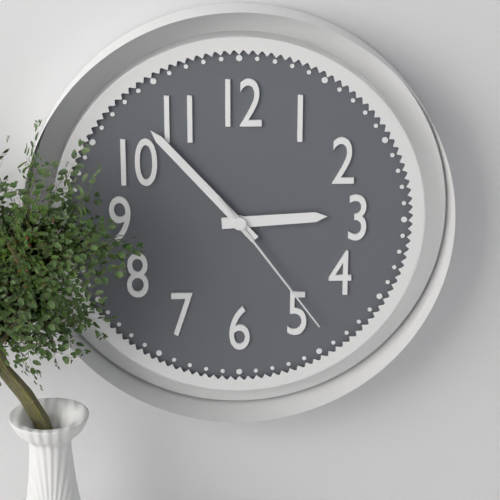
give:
2.53.24
